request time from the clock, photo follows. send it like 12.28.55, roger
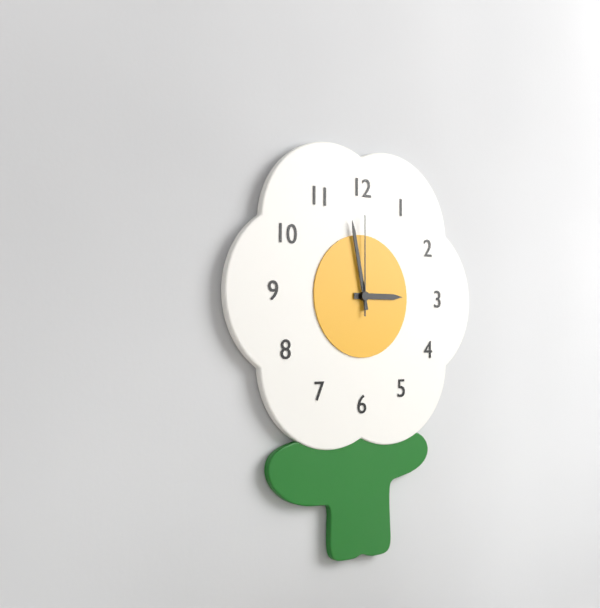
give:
2.58.00
